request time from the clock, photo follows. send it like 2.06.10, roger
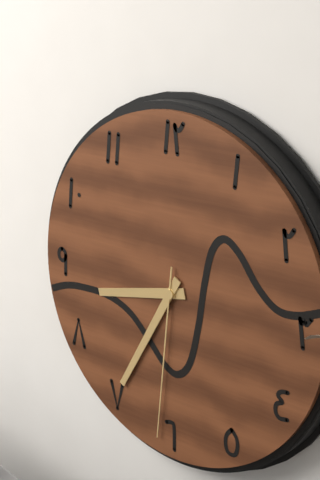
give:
8.35.31
